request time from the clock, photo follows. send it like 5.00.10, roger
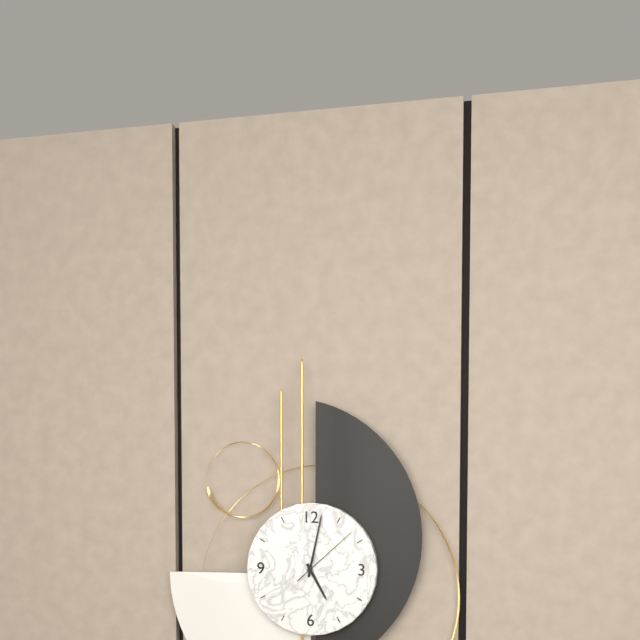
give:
5.02.08
